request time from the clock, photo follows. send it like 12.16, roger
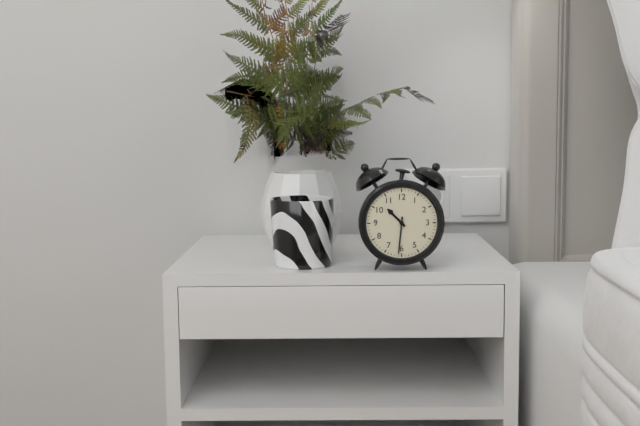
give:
10.31
